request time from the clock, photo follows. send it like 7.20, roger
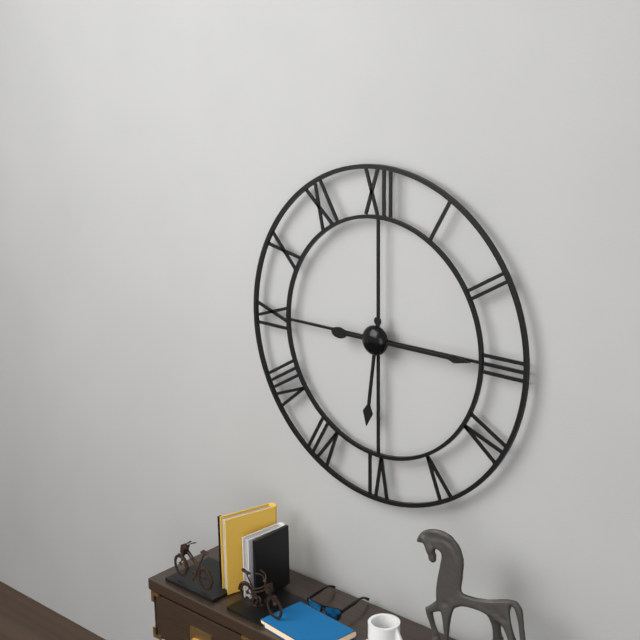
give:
6.15
